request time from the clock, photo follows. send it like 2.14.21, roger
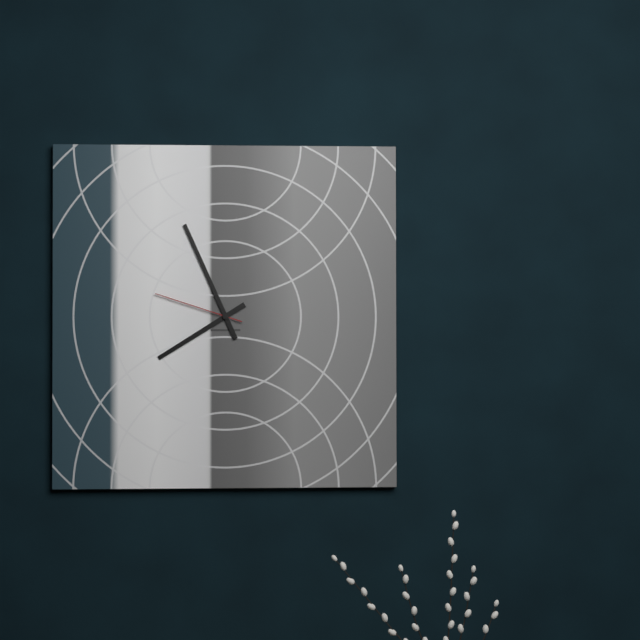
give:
7.56.48
